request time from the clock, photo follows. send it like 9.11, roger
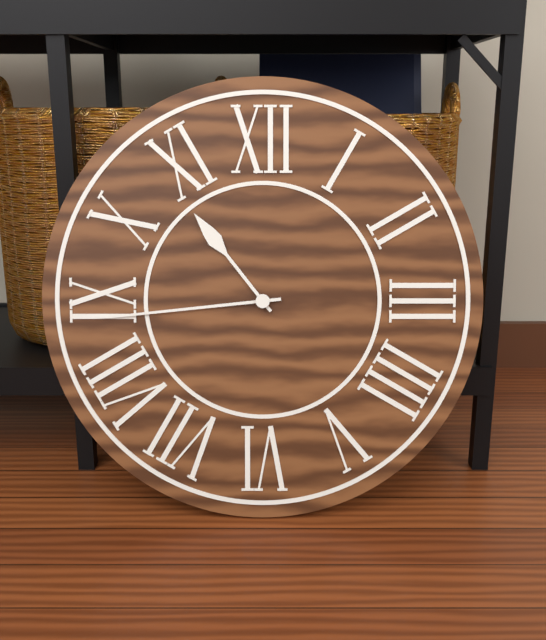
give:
10.44
